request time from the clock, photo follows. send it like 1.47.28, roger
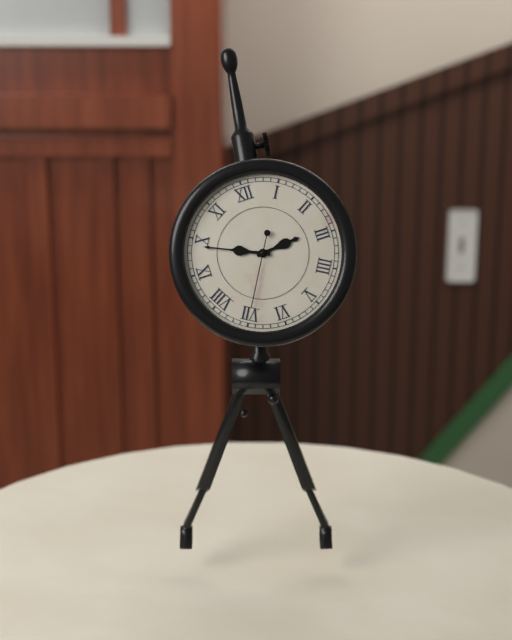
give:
2.49.35
